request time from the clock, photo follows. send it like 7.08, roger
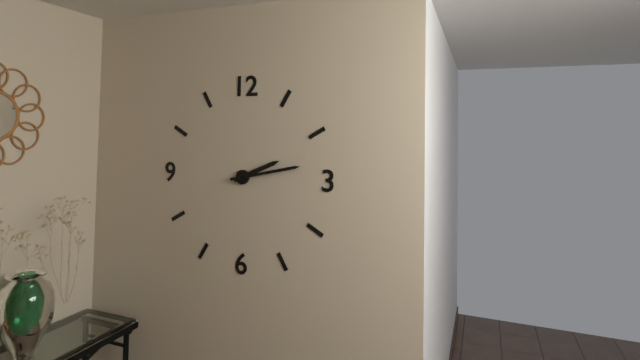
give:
2.13
